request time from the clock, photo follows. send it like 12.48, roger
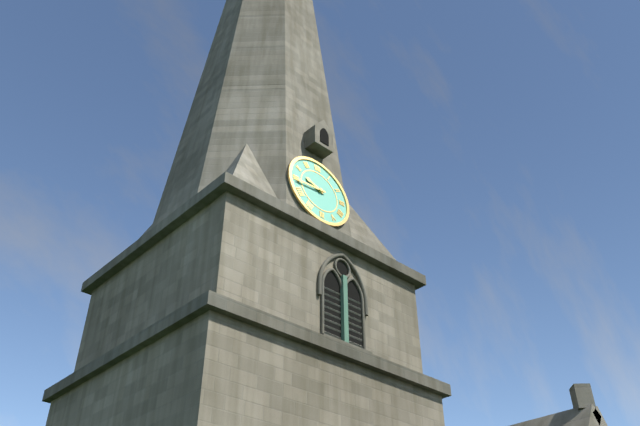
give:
9.44
